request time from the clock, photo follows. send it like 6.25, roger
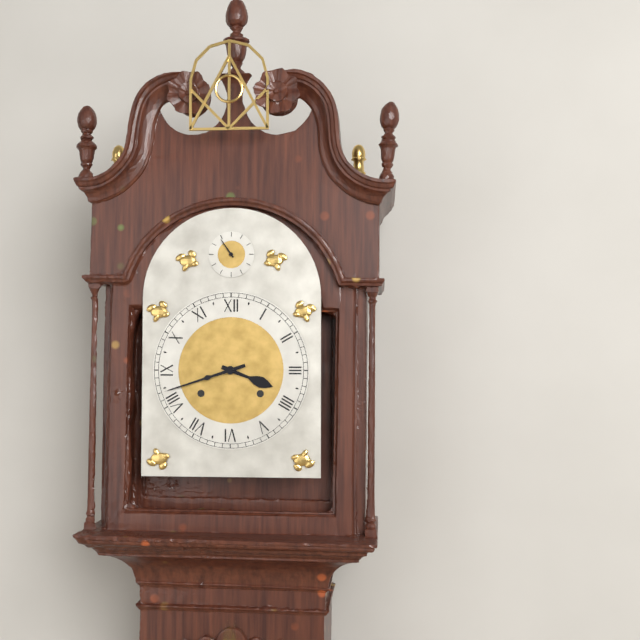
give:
3.42
